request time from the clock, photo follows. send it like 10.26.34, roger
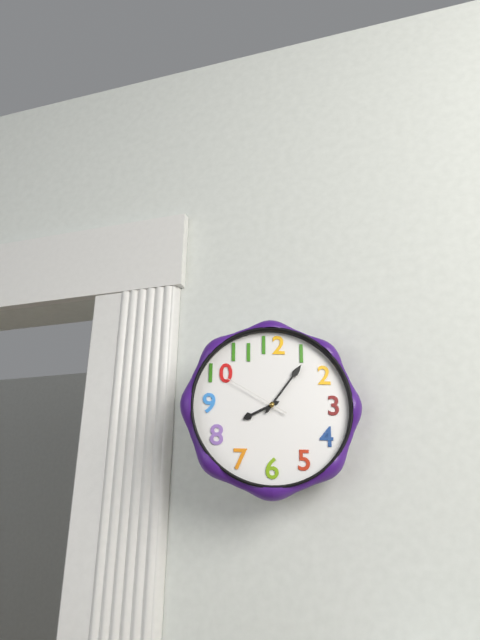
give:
8.06.50
